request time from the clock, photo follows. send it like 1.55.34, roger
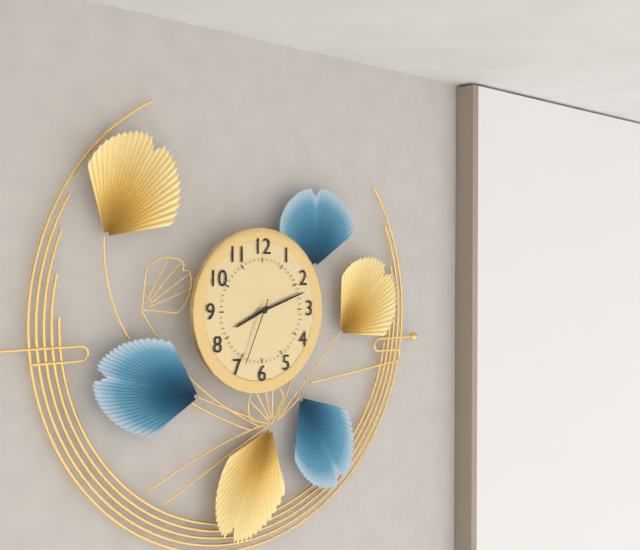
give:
8.12.34
